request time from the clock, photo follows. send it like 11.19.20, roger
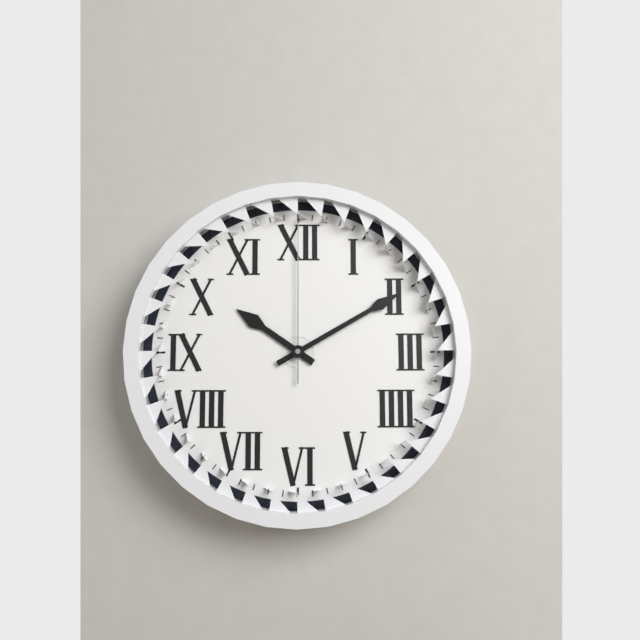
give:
10.10.00
